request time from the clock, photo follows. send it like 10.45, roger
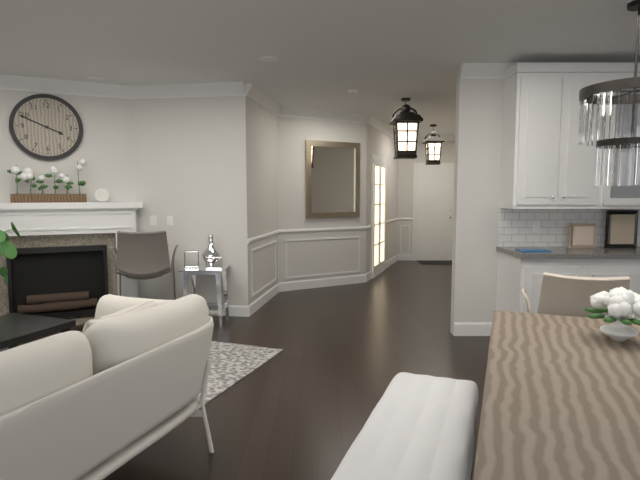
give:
3.49
